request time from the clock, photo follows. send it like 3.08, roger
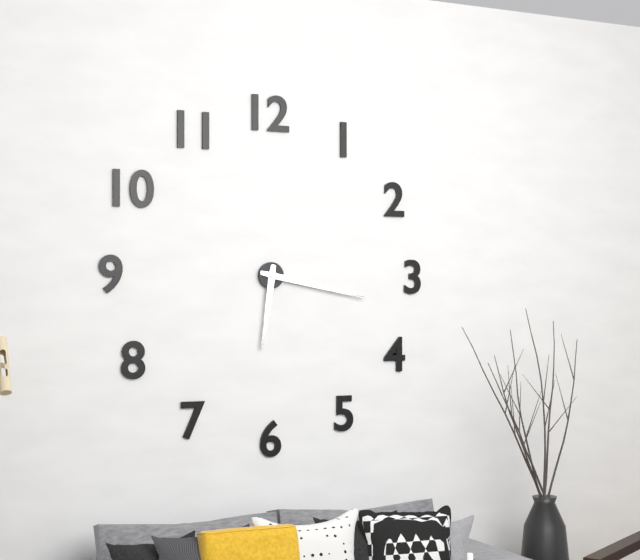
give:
6.17
